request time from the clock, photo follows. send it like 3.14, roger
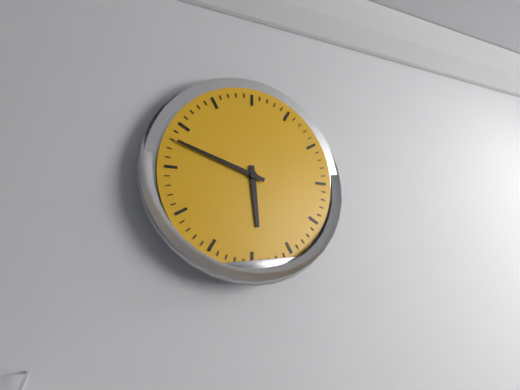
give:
5.48
